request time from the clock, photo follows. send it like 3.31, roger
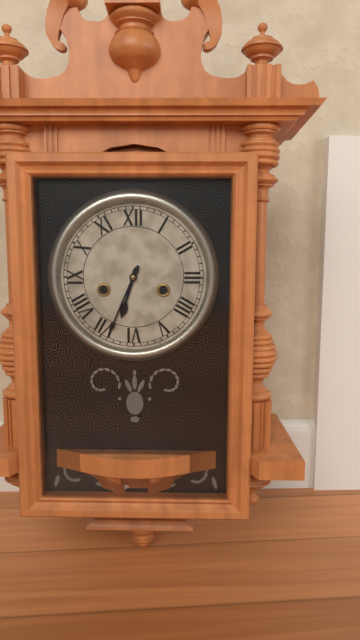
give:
6.34
